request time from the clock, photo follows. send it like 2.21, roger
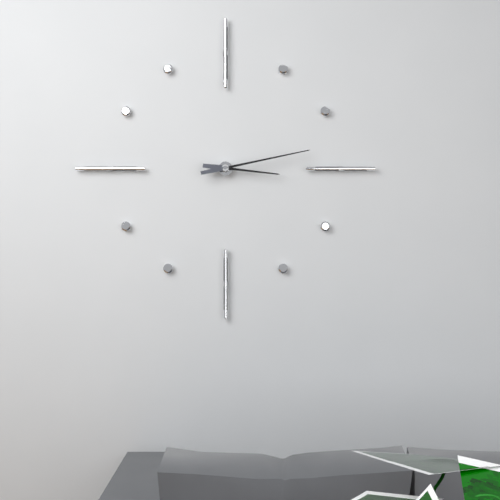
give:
3.13
